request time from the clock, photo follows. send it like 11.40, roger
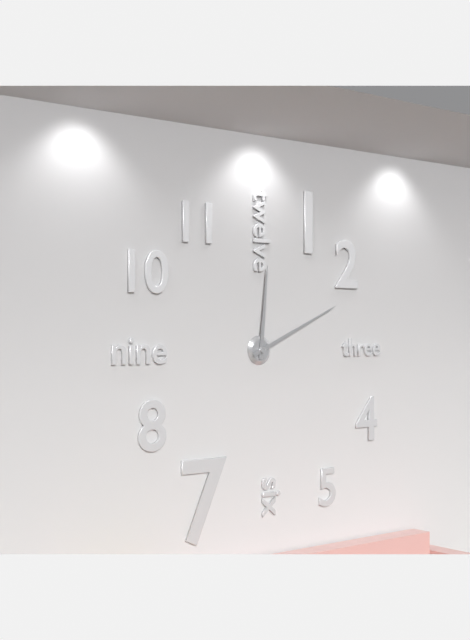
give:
12.11
